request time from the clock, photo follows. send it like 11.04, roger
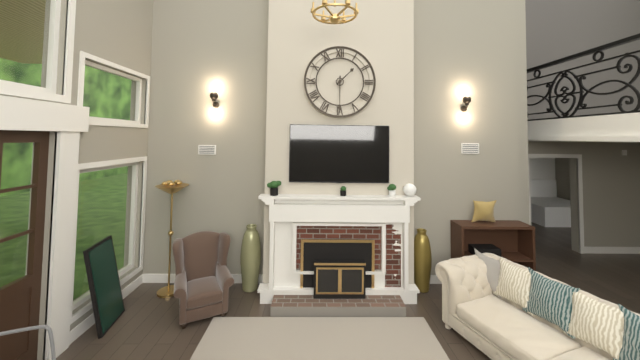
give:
1.30
